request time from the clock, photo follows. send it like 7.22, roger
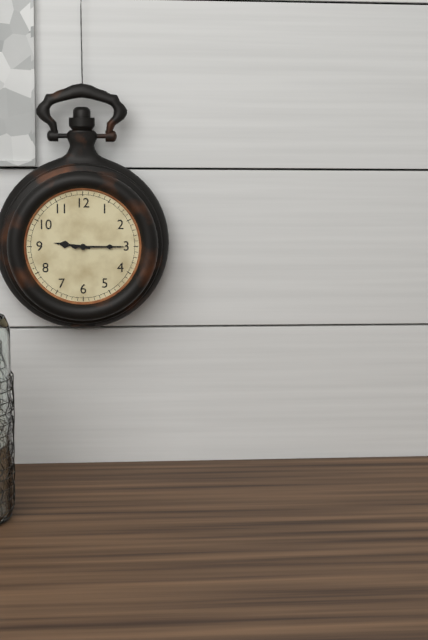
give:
9.15
